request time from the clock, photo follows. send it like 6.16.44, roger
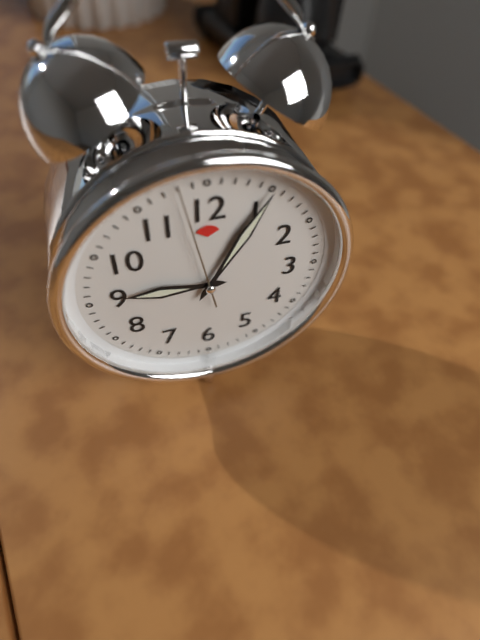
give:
9.05.58
